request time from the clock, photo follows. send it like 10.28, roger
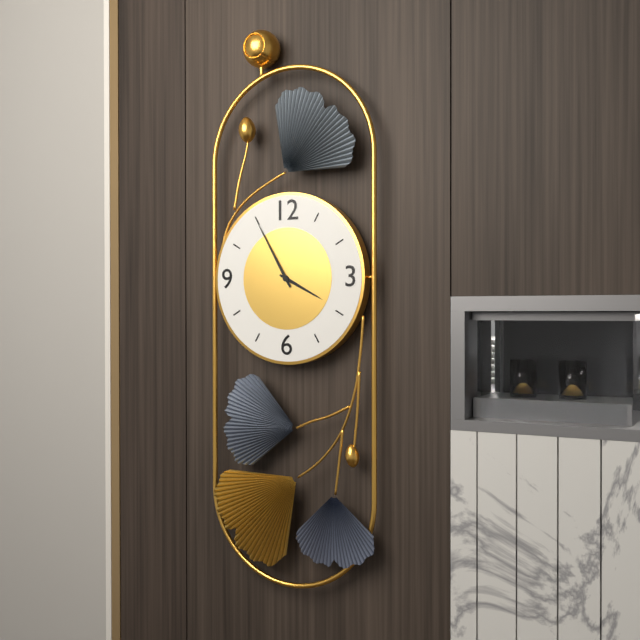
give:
3.55
